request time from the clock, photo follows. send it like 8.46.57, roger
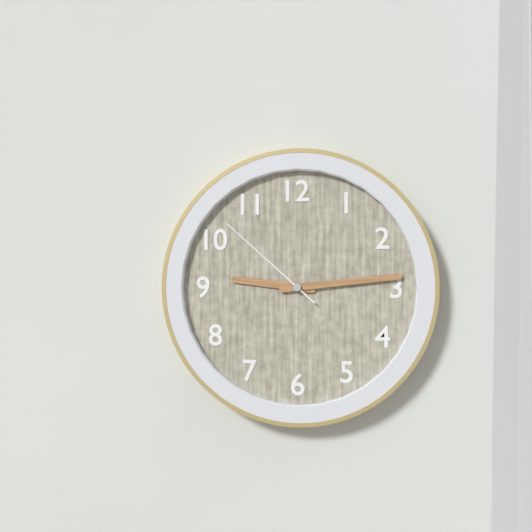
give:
9.14.52
